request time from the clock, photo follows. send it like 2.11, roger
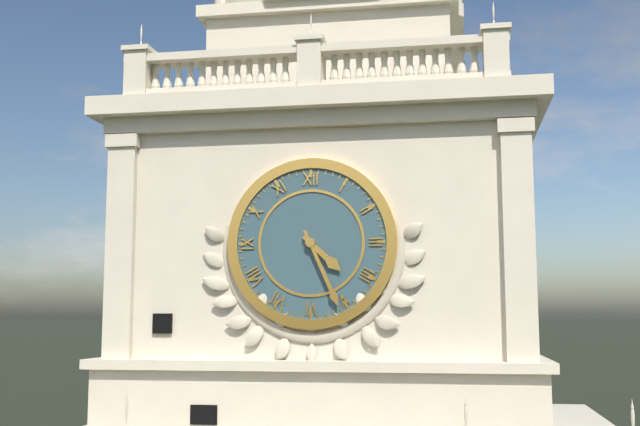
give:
4.26
